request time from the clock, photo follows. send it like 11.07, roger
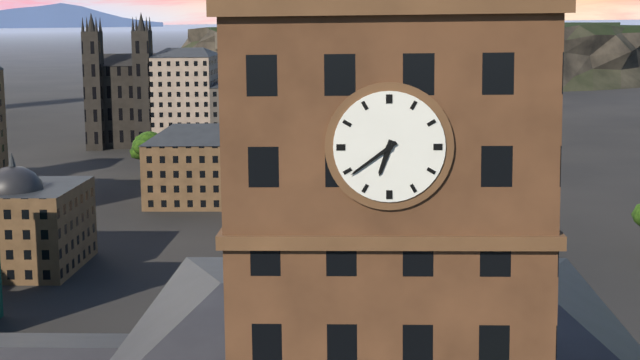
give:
6.39
